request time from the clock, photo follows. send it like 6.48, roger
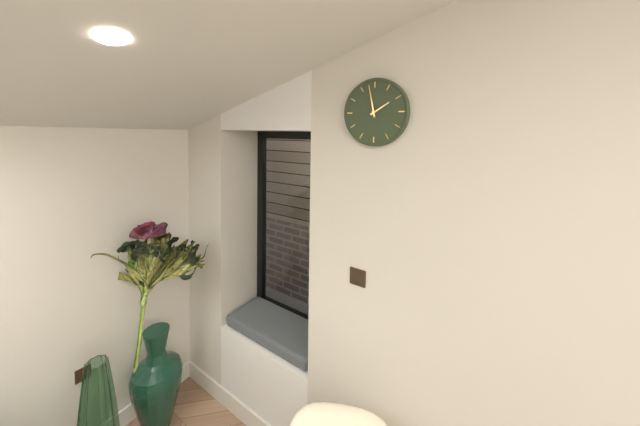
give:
1.58
